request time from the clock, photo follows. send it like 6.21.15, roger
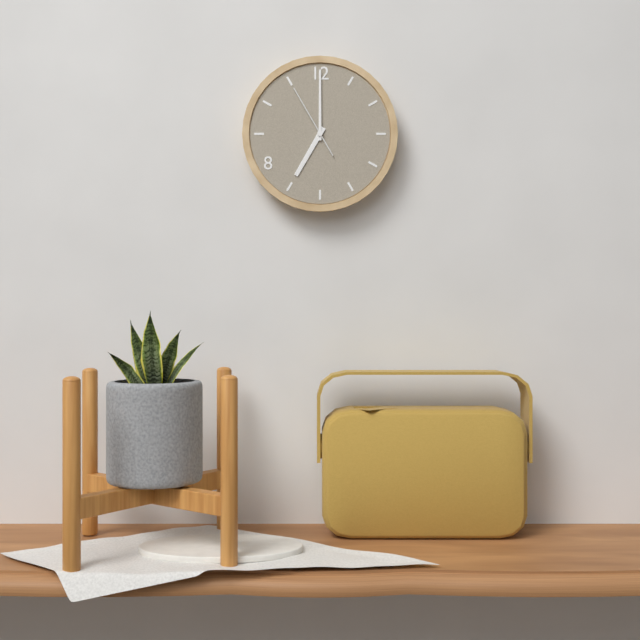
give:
7.00.55
